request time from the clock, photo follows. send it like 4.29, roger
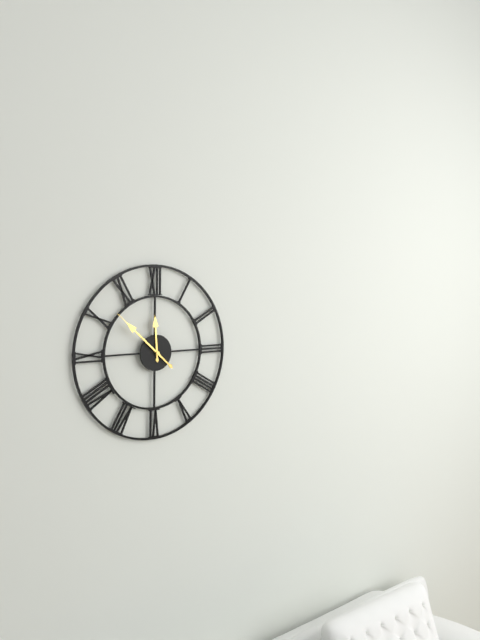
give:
11.52
